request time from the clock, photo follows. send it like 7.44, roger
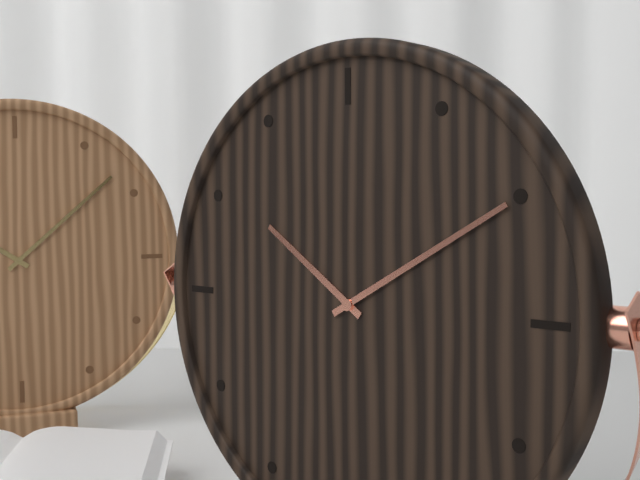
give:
10.10
